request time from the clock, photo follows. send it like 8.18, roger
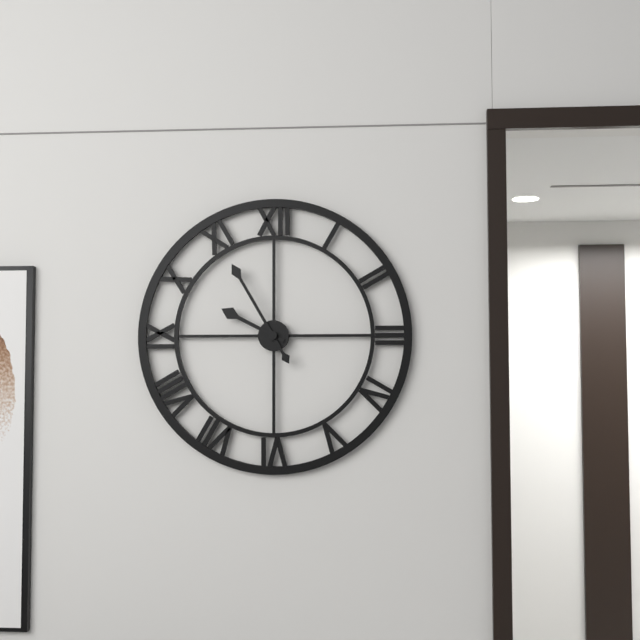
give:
9.55
